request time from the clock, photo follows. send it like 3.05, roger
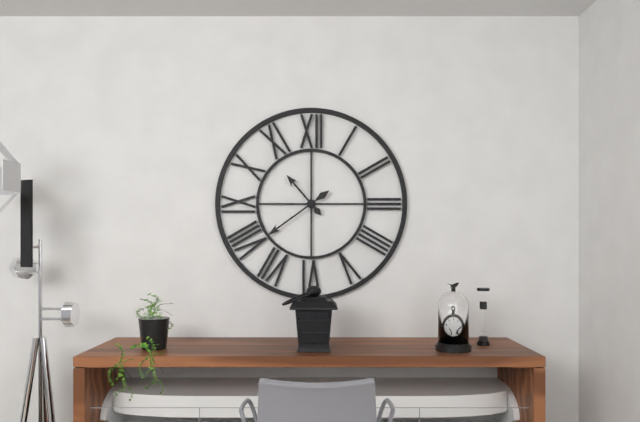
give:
10.39
